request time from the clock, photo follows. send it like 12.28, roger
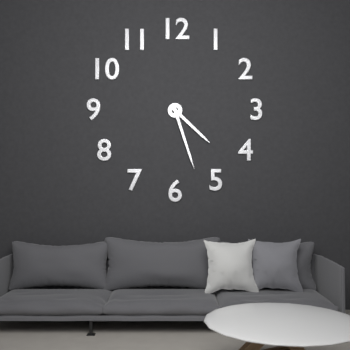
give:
4.27
